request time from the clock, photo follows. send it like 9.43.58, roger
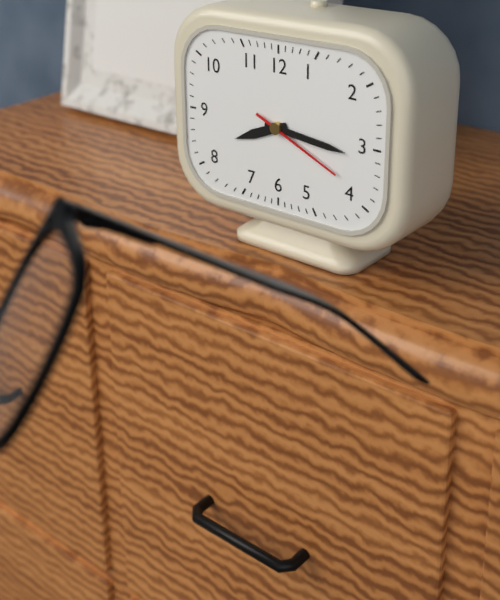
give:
8.16.19
